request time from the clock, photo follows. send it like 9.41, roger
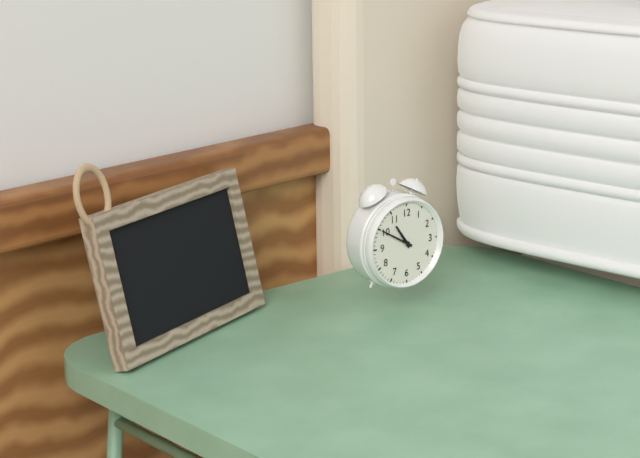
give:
10.50
